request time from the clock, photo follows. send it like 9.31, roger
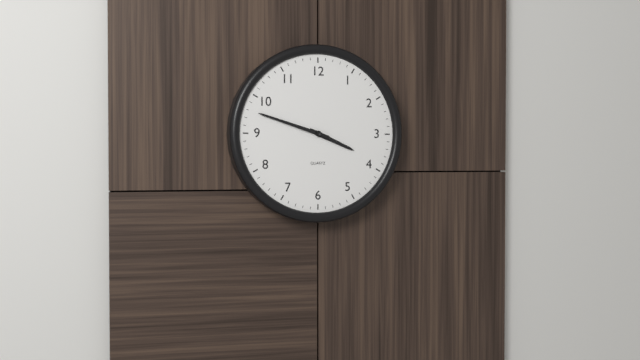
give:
3.48
